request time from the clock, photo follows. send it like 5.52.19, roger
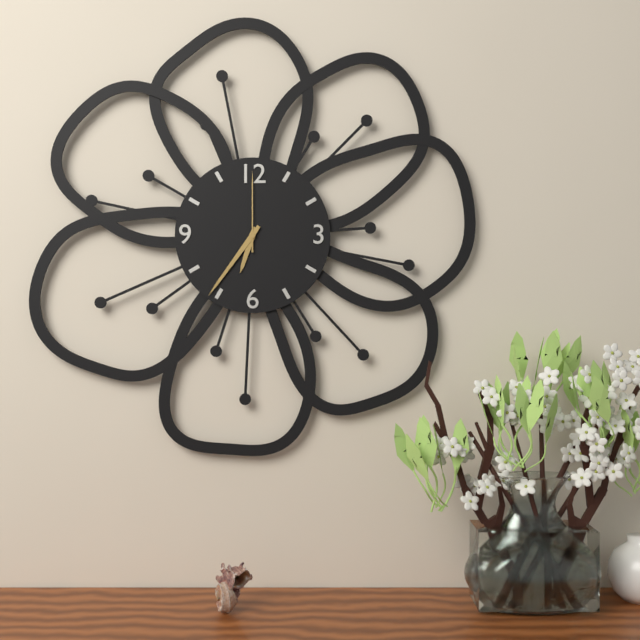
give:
6.36.00
